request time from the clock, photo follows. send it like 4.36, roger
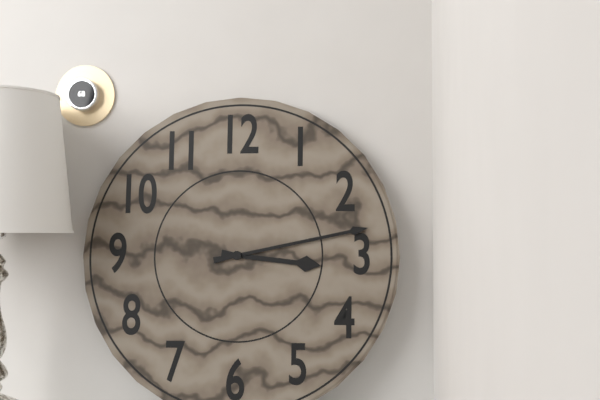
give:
3.13
